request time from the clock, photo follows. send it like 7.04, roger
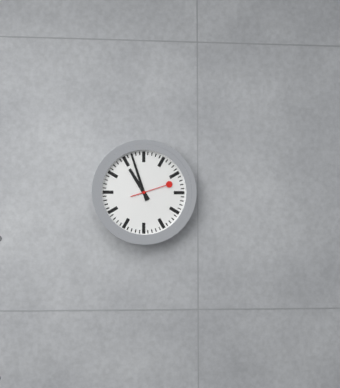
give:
10.57
